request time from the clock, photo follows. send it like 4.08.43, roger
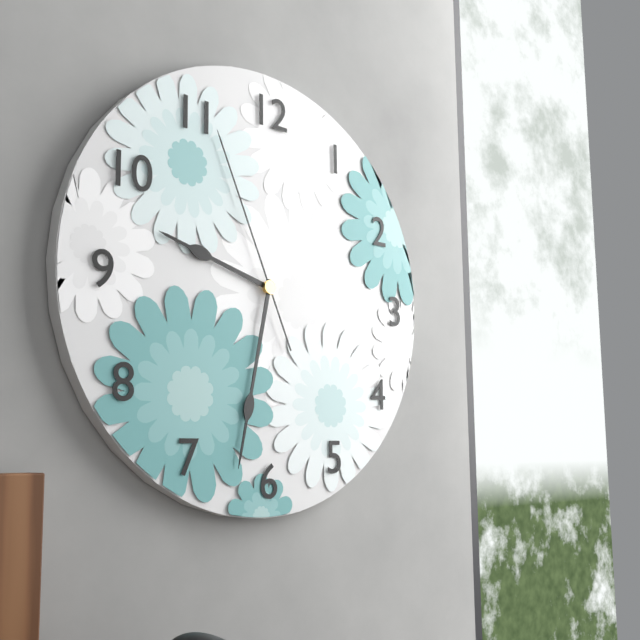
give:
9.32.56
